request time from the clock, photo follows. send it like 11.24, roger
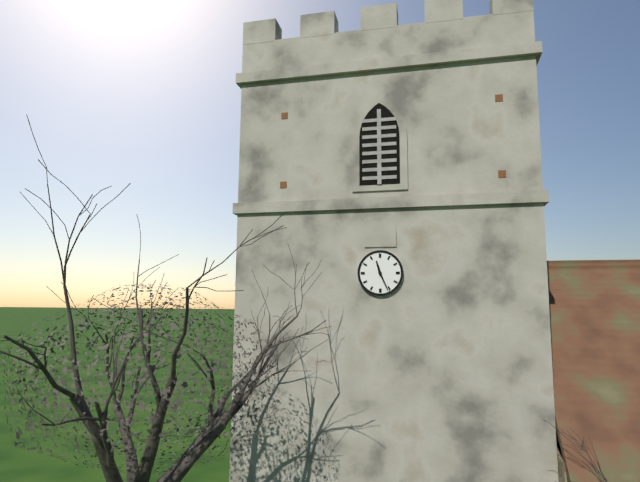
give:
11.26
